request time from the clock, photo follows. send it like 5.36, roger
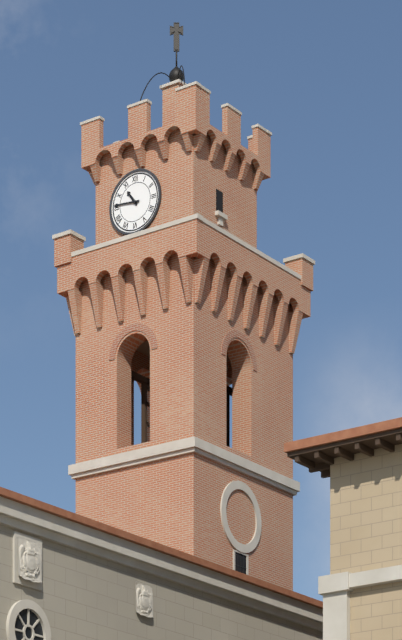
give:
10.46
